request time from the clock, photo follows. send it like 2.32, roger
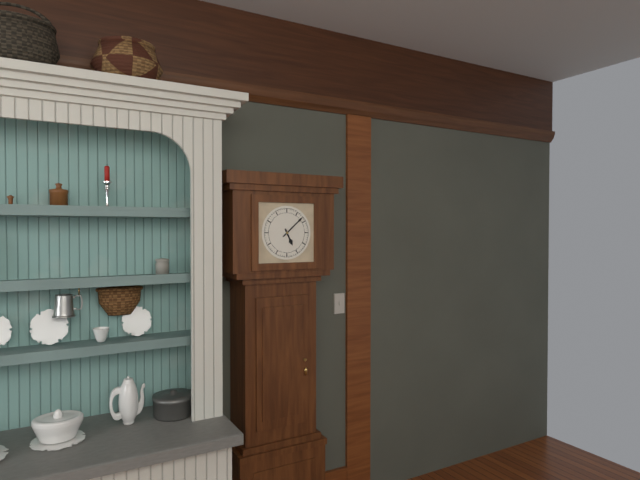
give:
5.08
